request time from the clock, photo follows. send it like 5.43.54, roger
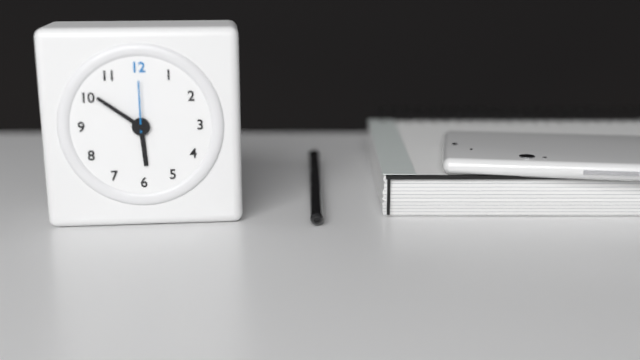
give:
5.51.00
